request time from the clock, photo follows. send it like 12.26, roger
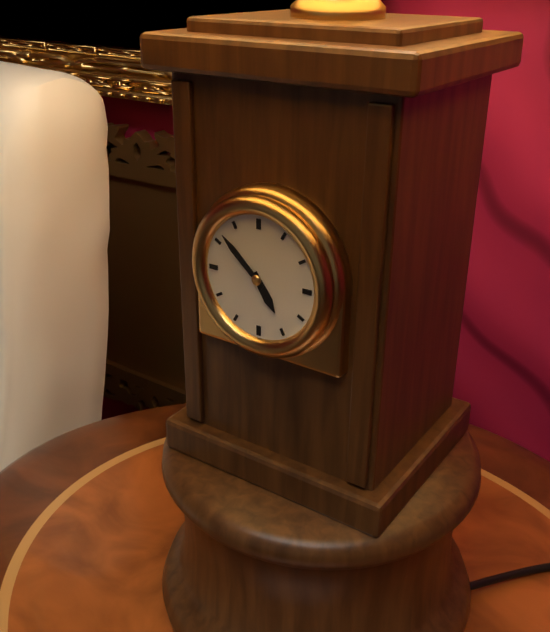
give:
4.52
